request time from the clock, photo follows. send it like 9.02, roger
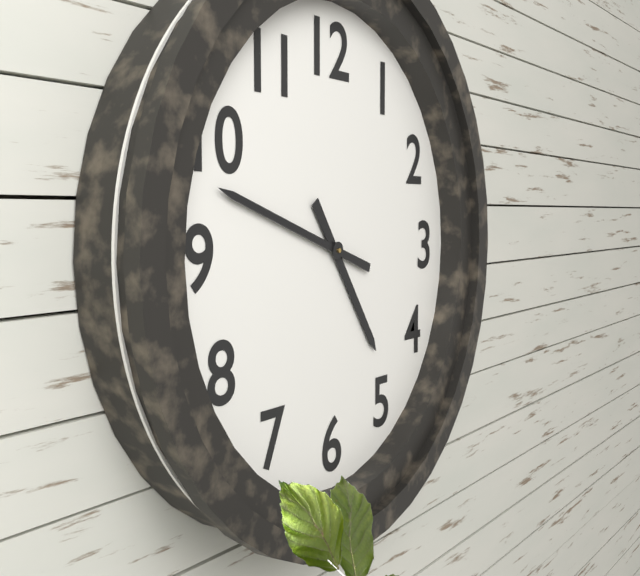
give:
4.48
